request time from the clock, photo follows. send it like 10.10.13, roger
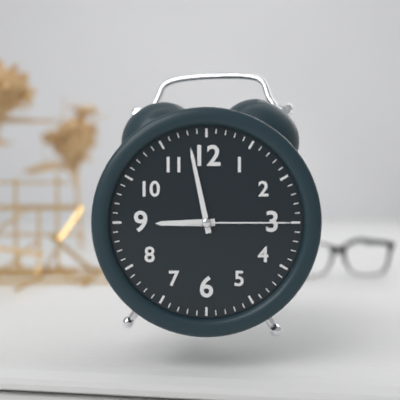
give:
8.58.15
